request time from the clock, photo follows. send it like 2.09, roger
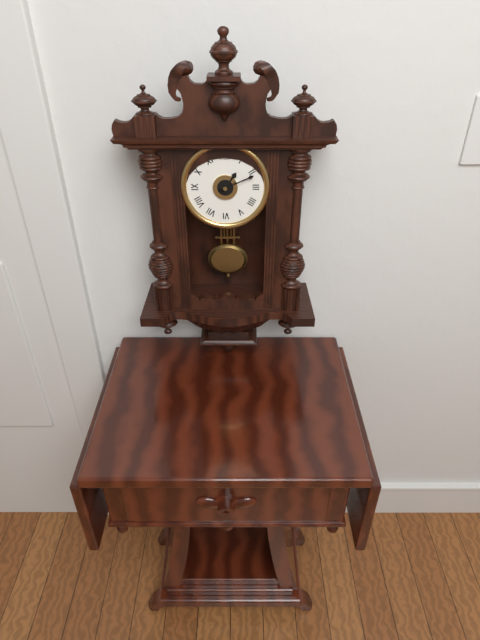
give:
1.11
